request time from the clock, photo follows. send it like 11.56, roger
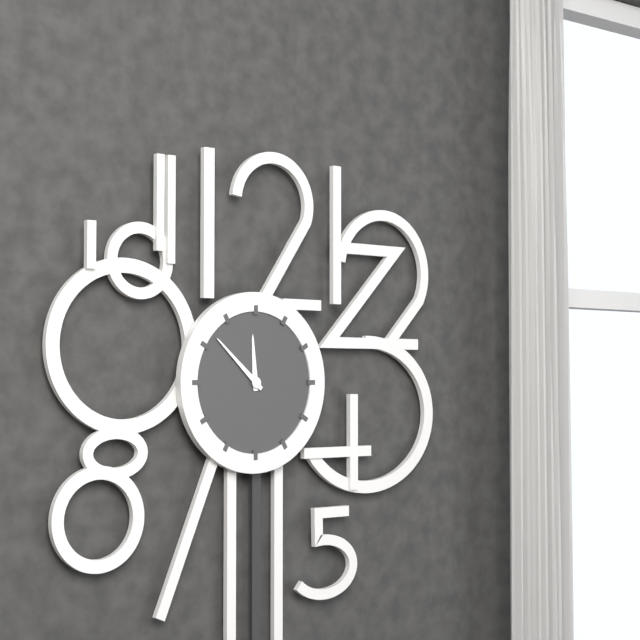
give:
11.52
